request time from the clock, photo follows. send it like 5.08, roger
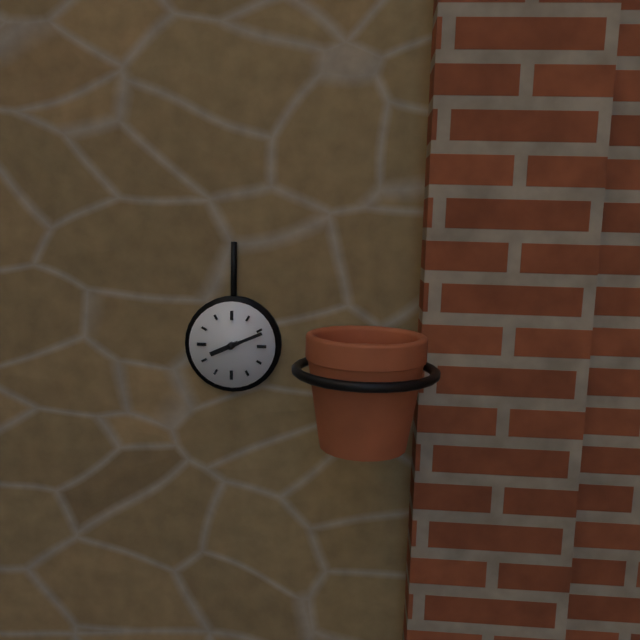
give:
8.11
